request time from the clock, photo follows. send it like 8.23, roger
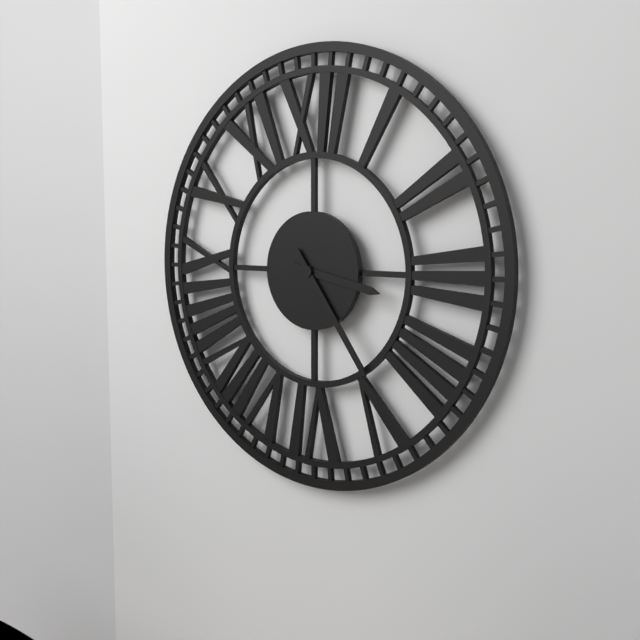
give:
3.24
